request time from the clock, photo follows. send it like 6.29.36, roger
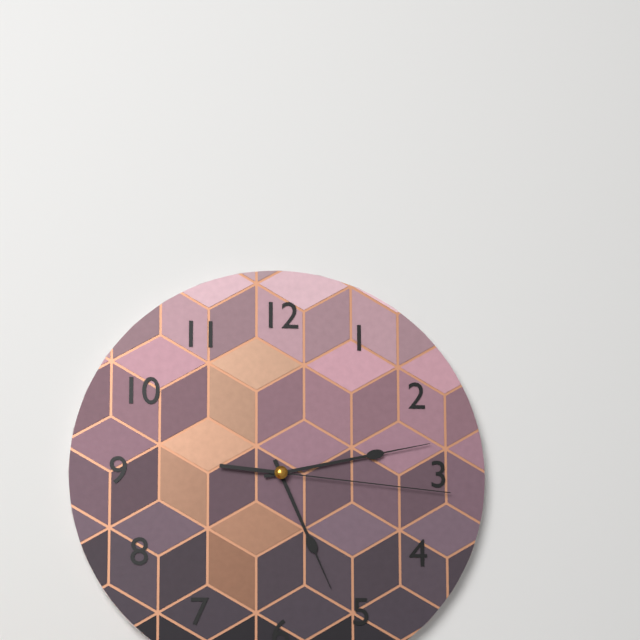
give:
5.13.16
